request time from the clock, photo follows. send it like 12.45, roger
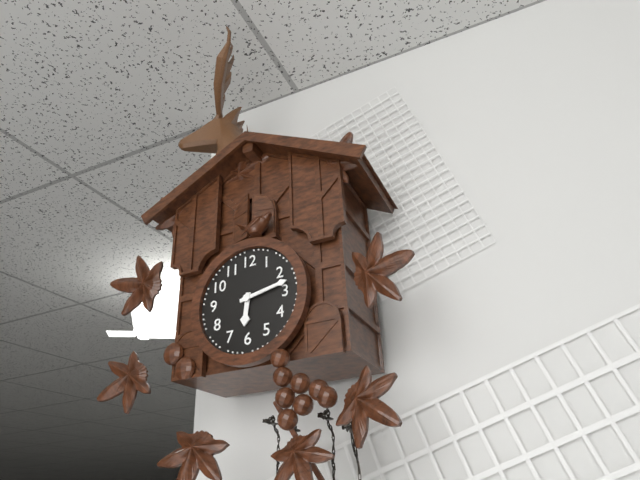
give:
6.13
